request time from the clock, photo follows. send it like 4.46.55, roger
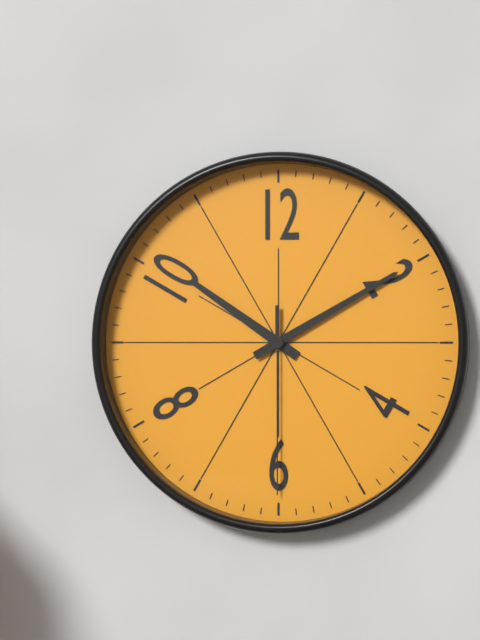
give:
10.10.30
